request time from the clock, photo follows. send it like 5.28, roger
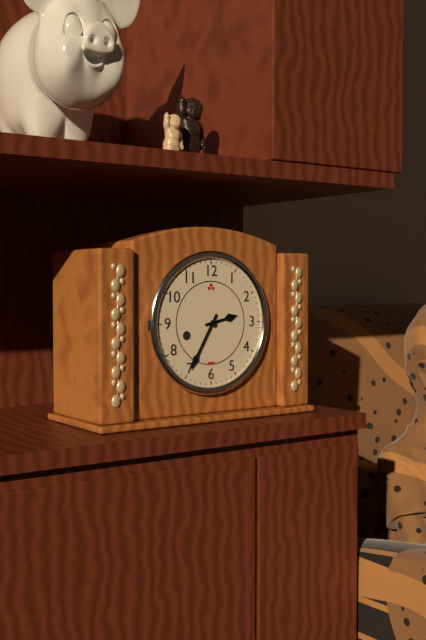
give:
2.35
